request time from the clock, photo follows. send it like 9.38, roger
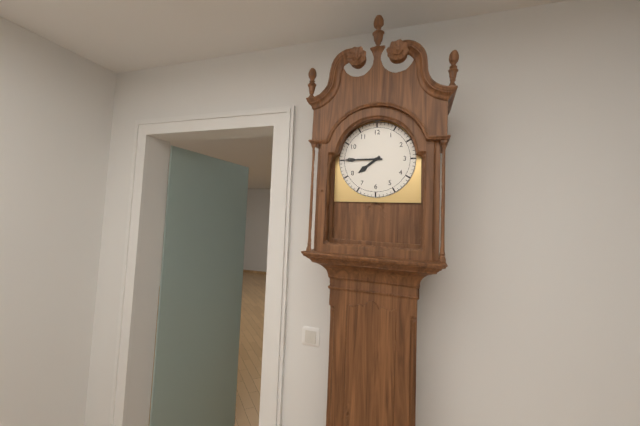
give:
7.45
